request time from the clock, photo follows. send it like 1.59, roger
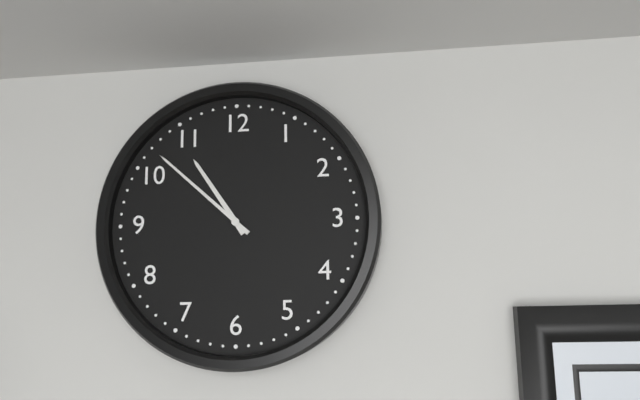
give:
10.52
